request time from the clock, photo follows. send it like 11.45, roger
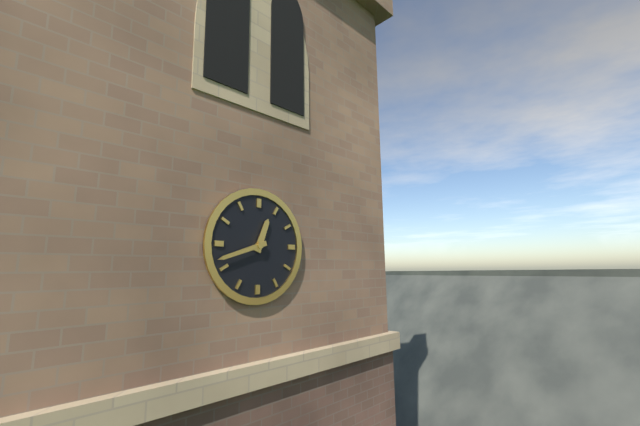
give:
12.42
